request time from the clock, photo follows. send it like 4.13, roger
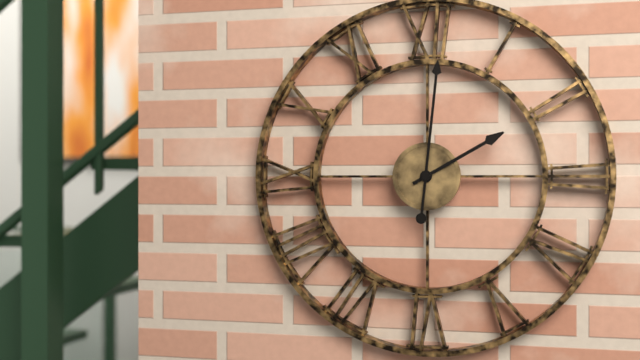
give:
2.01
